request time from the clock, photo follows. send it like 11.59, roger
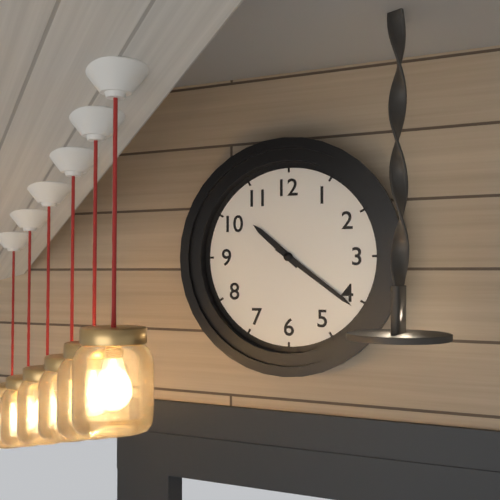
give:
10.21
